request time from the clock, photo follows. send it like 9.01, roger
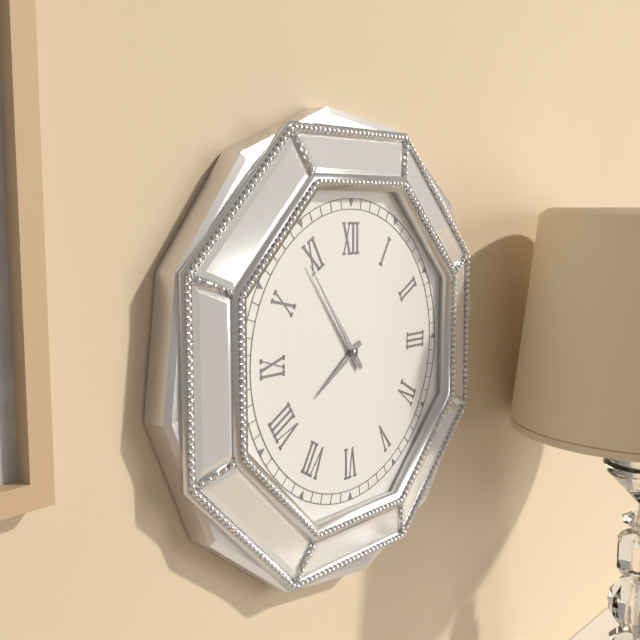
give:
7.54
